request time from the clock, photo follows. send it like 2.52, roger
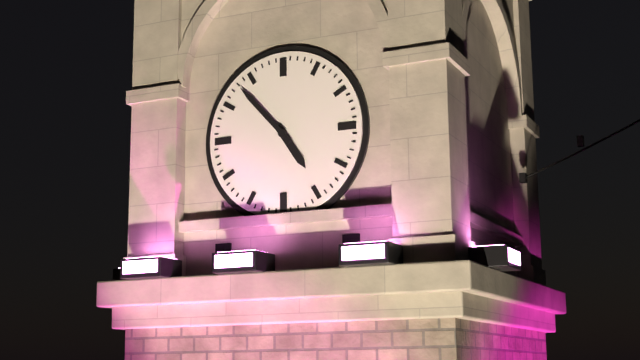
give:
4.53
